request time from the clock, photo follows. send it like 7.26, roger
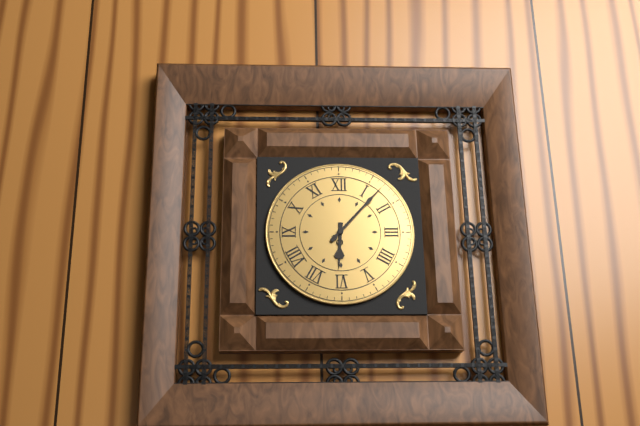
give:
6.07
